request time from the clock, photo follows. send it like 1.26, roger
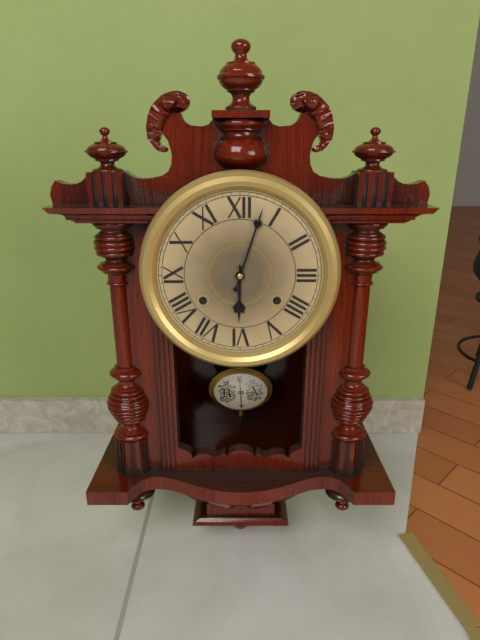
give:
6.03
